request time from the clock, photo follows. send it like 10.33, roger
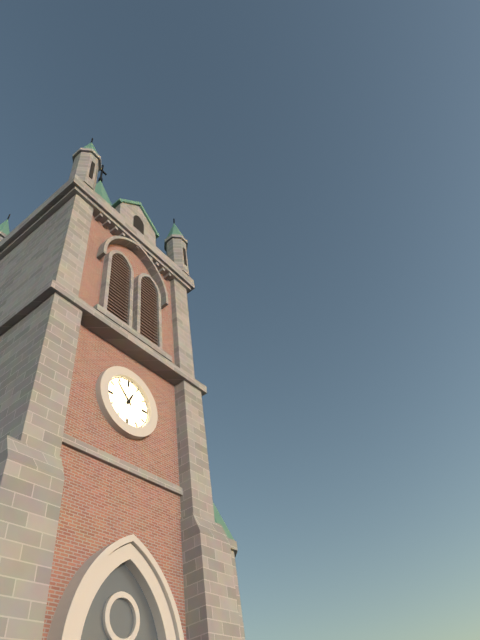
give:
12.53
